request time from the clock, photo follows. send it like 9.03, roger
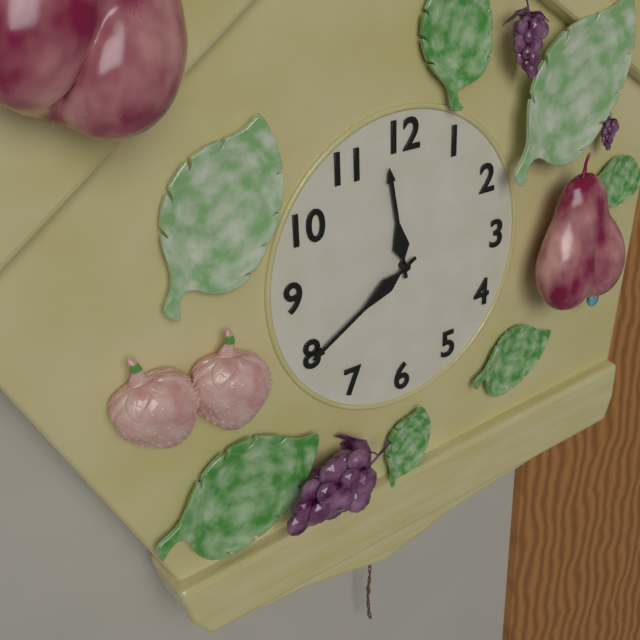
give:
11.40
